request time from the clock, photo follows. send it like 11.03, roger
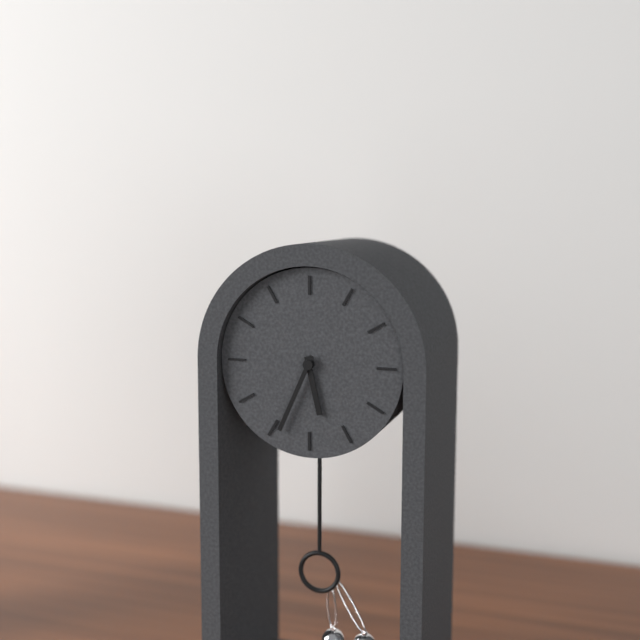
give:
5.34
